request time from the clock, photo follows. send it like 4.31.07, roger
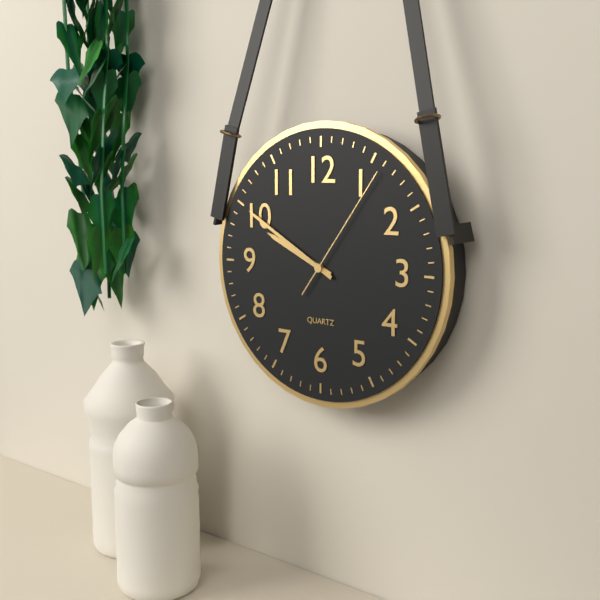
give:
9.50.06
